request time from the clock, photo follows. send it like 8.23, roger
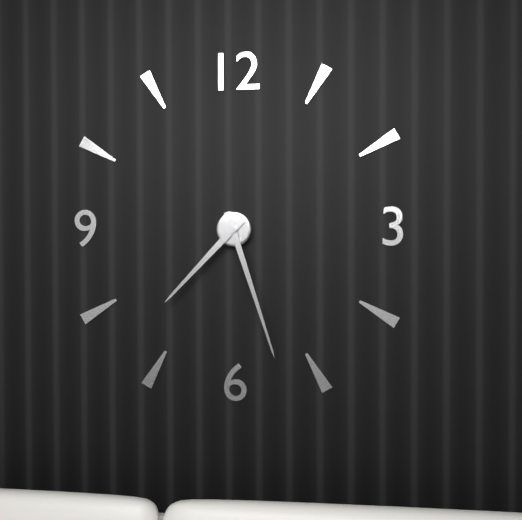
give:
7.27
